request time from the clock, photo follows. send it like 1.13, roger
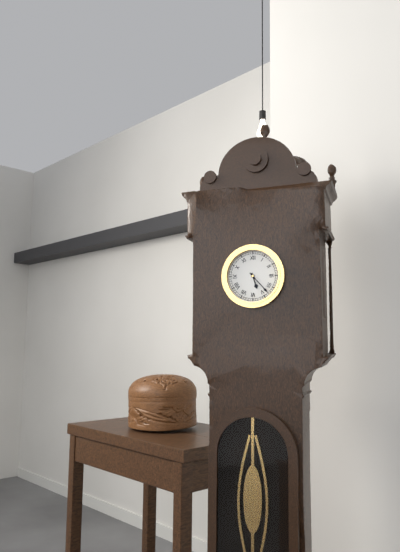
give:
5.23
